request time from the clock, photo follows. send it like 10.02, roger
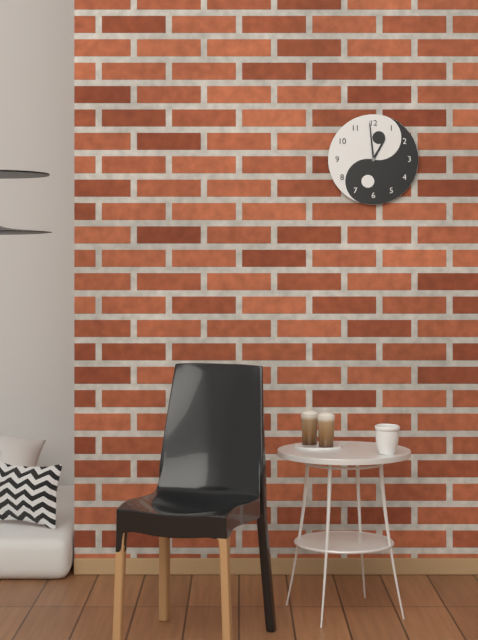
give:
12.59
